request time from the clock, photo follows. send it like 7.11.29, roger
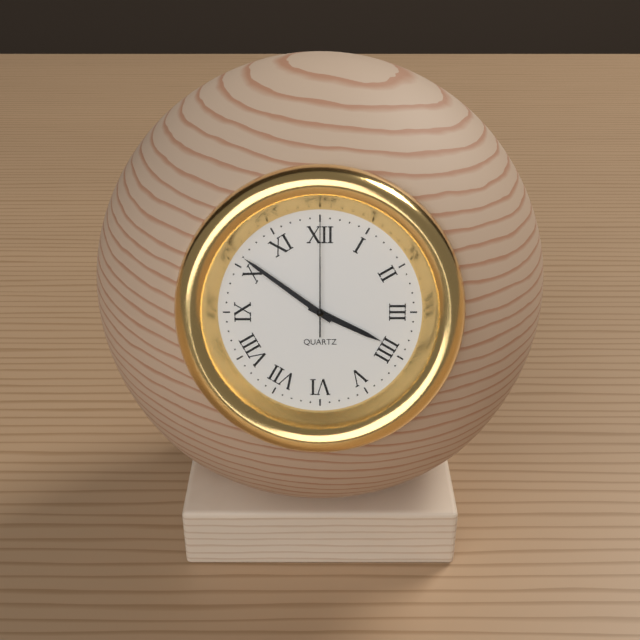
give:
3.51.00
